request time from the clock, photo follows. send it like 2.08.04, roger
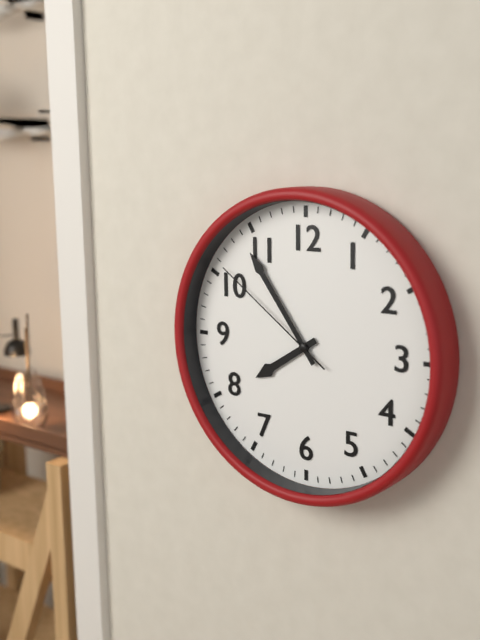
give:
7.54.51
